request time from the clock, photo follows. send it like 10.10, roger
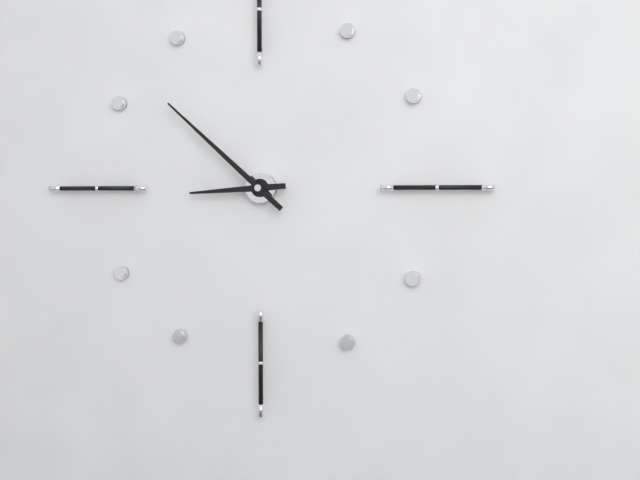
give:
8.52
